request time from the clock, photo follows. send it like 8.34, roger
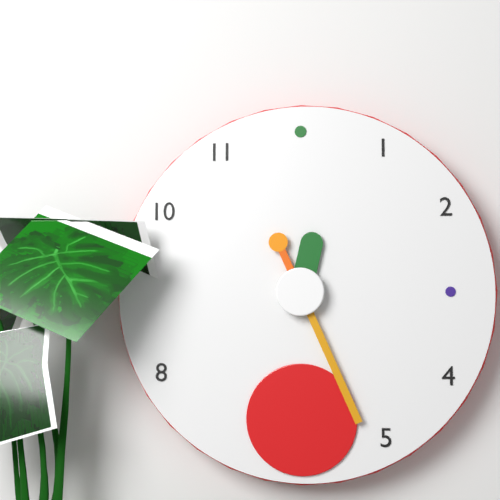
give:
12.26
